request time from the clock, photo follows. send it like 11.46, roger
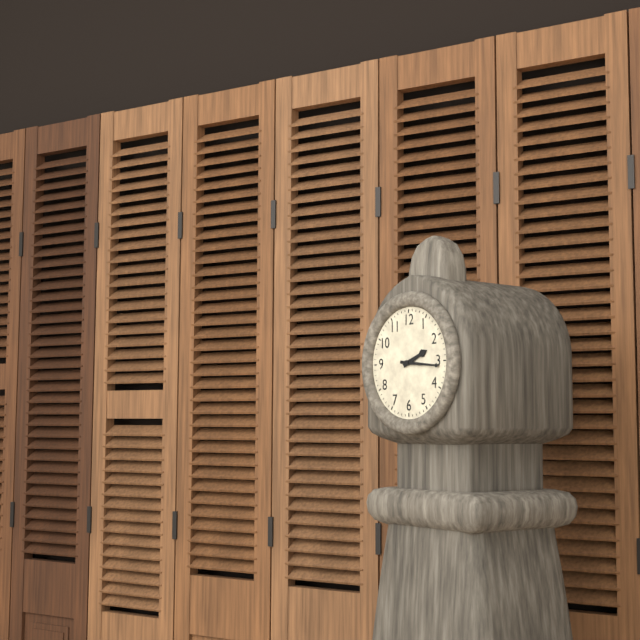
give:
2.16
